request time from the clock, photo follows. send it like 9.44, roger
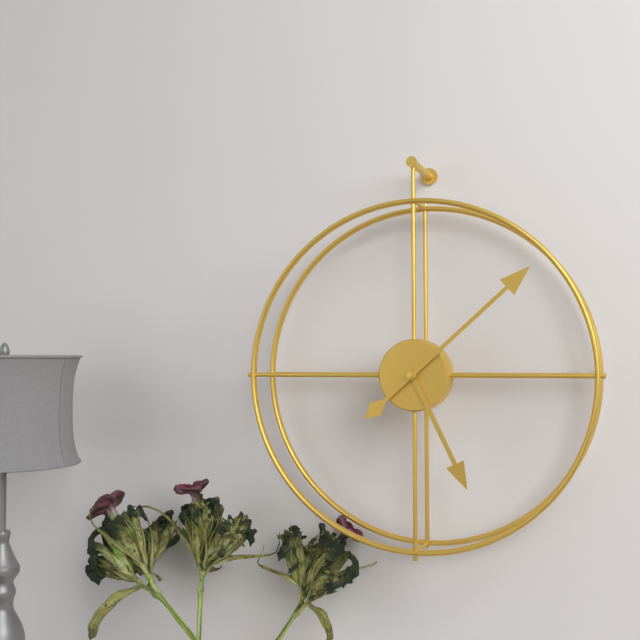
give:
5.08
